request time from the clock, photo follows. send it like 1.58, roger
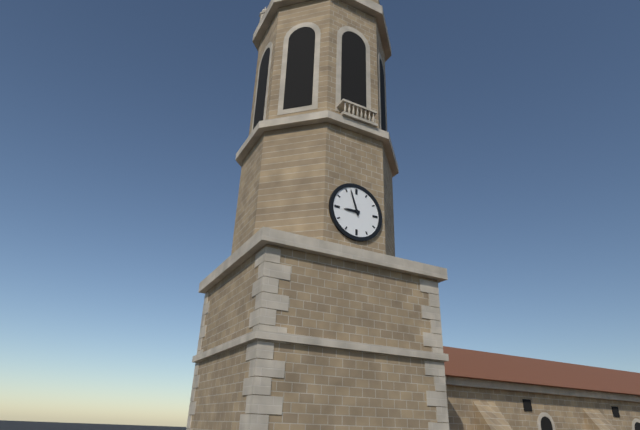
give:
8.57
